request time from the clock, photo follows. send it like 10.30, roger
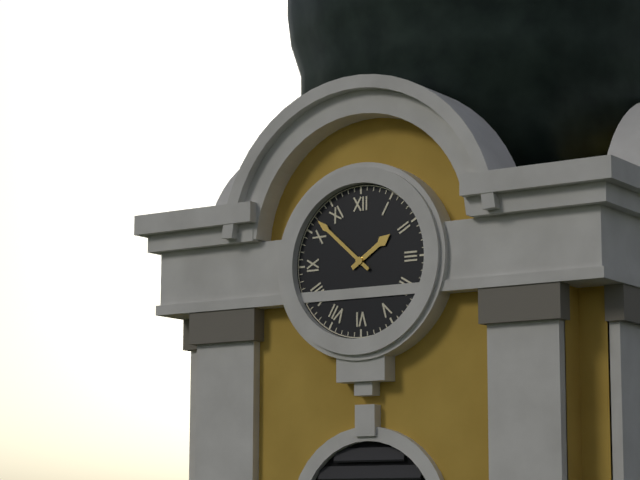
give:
1.52
